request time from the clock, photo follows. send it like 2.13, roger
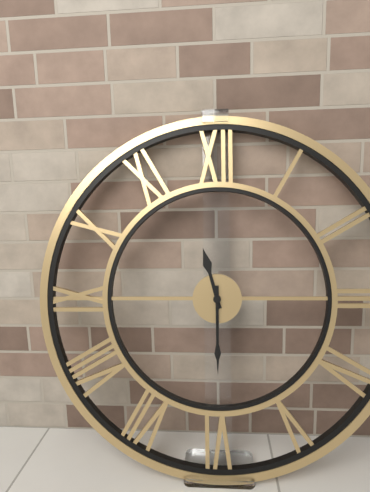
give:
11.30
